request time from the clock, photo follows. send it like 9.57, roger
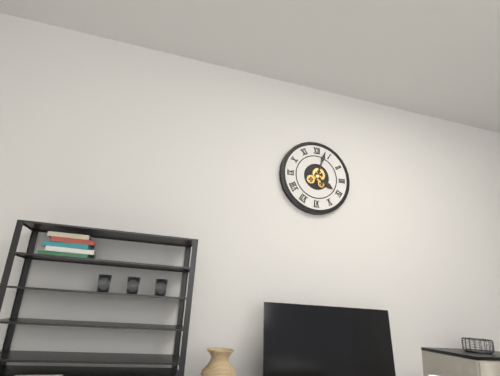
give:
4.03
